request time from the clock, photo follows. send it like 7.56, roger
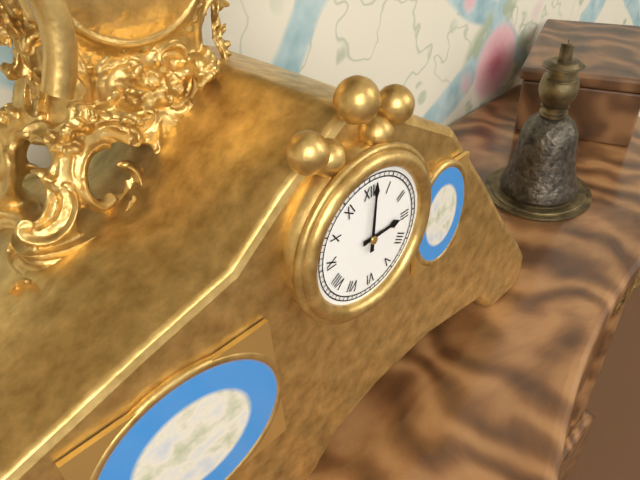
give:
3.01
